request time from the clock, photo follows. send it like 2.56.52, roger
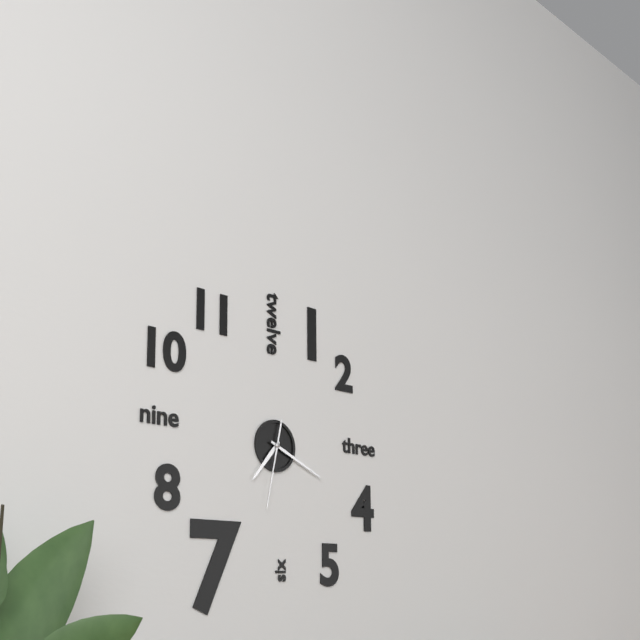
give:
7.19.32
